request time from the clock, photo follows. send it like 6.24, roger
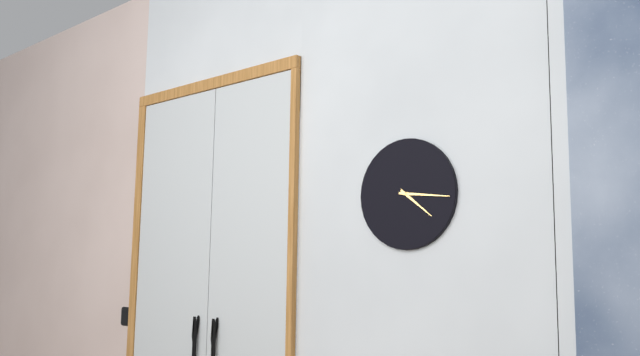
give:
4.16
